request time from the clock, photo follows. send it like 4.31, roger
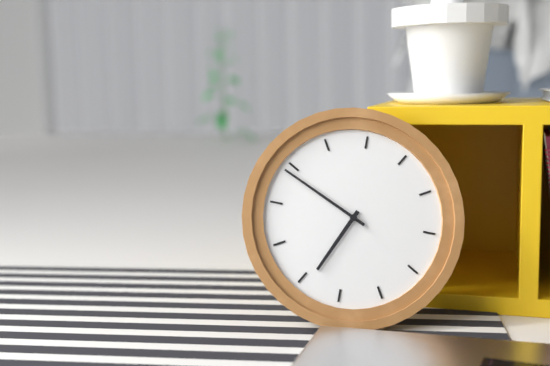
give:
6.49
